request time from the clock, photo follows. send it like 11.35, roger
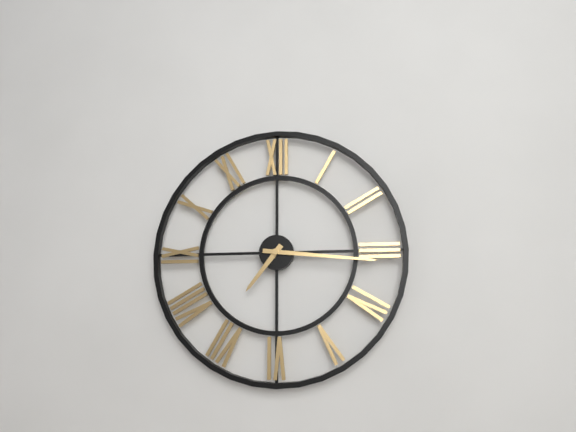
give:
7.16
